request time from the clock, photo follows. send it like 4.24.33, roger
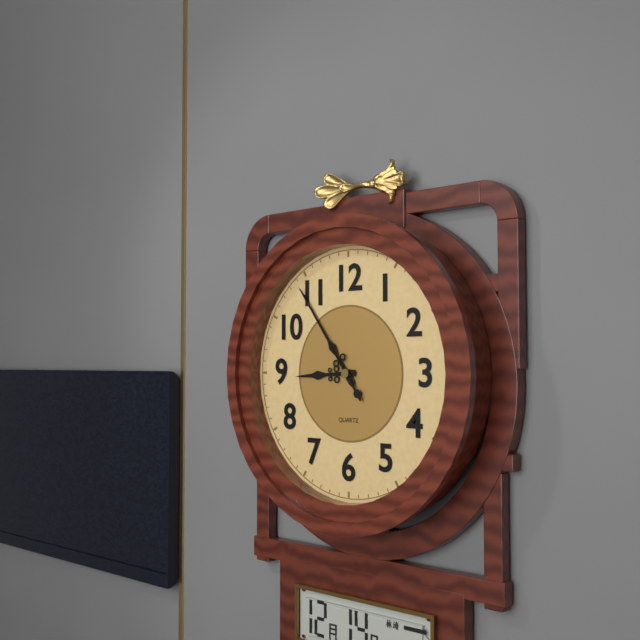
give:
8.54.54
